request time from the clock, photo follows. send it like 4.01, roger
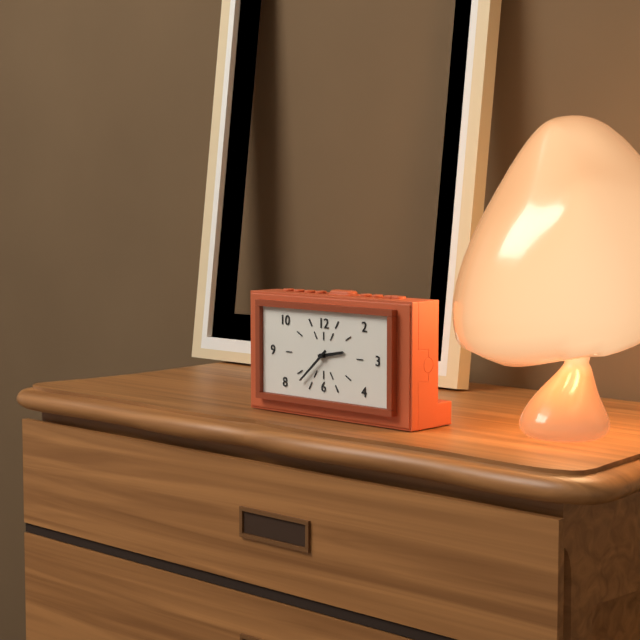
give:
2.38
